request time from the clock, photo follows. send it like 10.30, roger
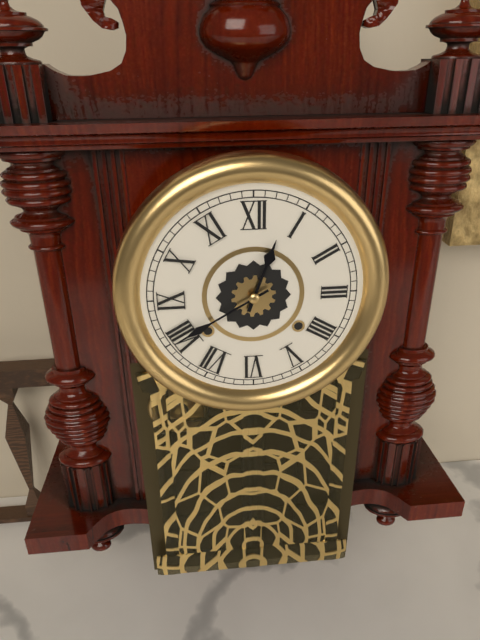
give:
12.40
